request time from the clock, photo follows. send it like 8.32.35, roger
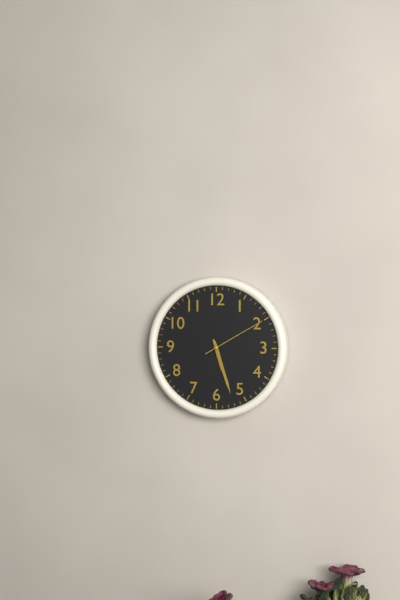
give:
5.27.10
